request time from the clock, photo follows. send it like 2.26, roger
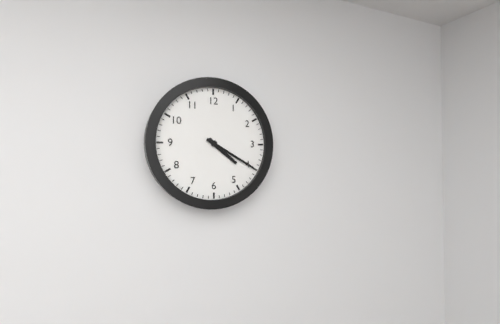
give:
4.20
